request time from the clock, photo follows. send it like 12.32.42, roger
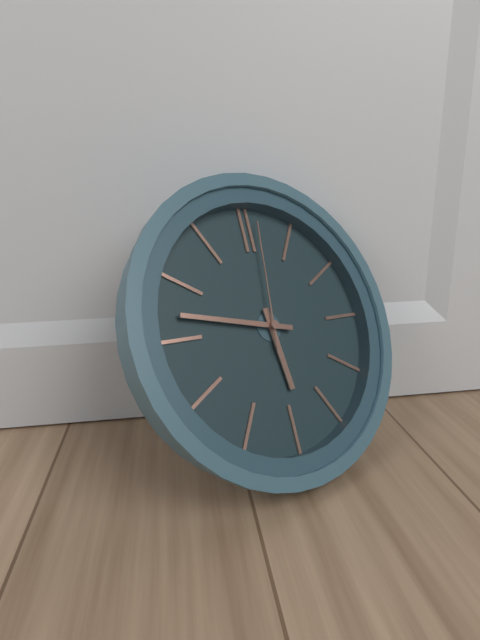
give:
5.47.01
